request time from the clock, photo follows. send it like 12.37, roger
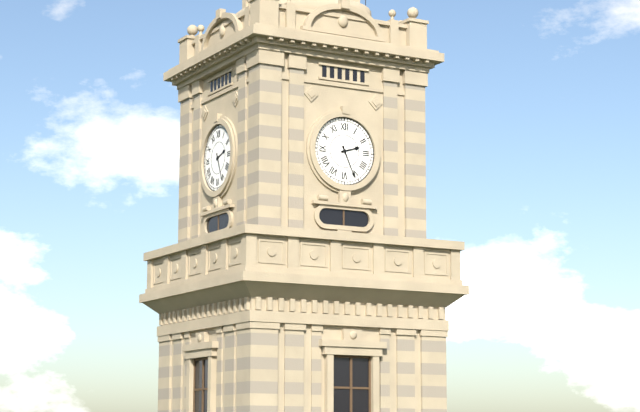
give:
2.26
